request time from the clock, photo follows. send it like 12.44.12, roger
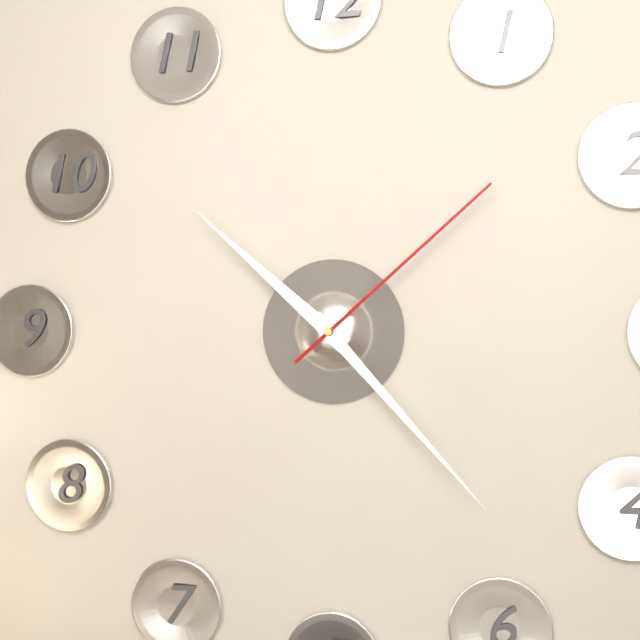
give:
10.23.08
